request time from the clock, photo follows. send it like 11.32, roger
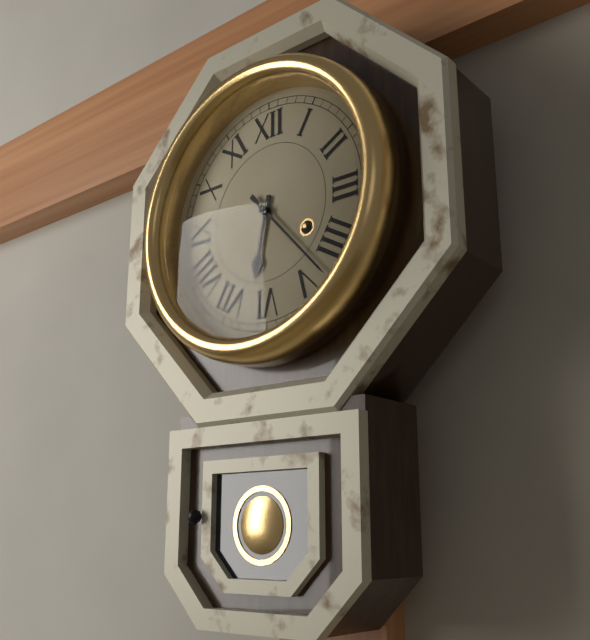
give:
6.23
